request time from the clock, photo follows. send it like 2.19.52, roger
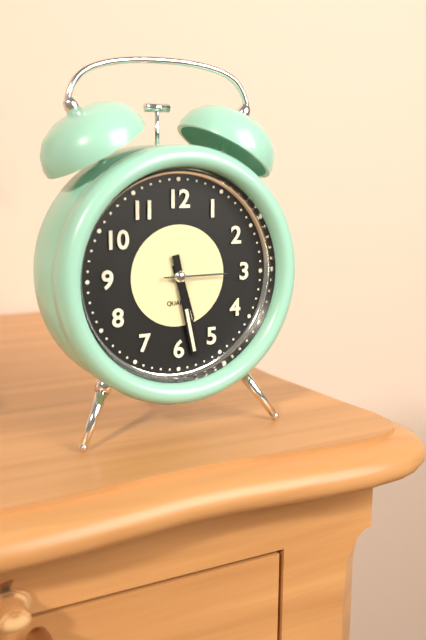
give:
5.28.15
